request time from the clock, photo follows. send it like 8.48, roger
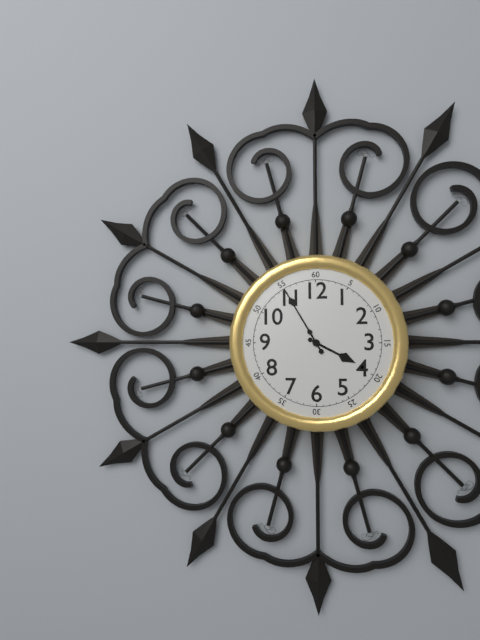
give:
3.55
